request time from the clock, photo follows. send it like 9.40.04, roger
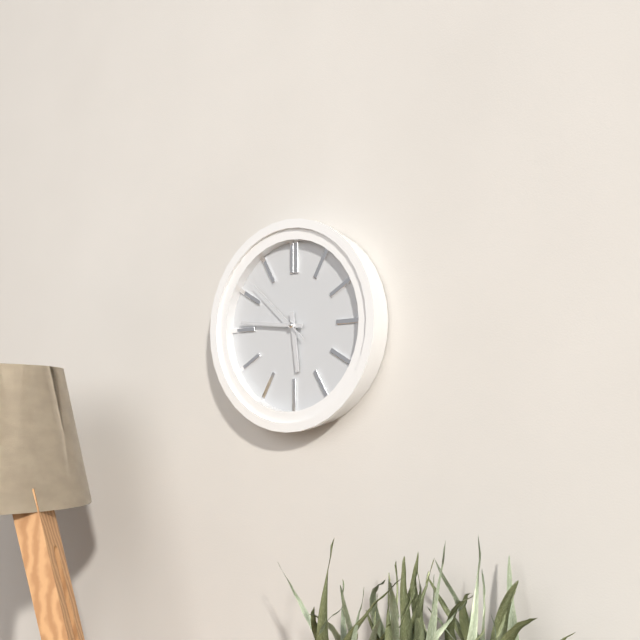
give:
5.46.52
